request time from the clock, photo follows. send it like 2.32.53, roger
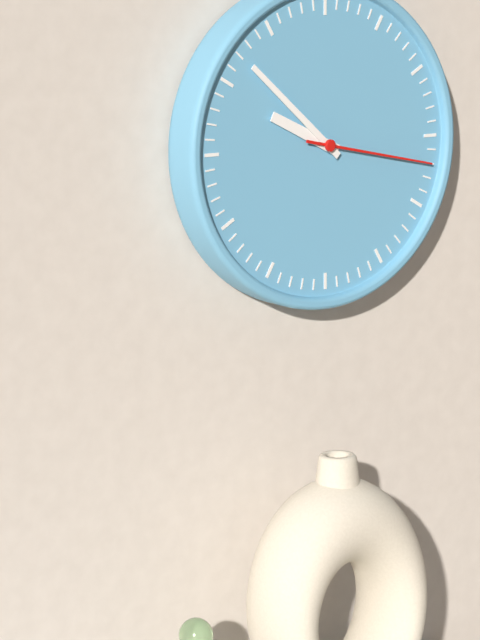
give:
9.52.17
